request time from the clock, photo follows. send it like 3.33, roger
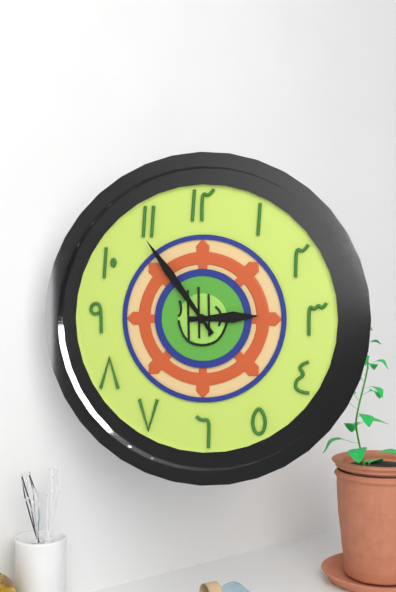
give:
2.54
